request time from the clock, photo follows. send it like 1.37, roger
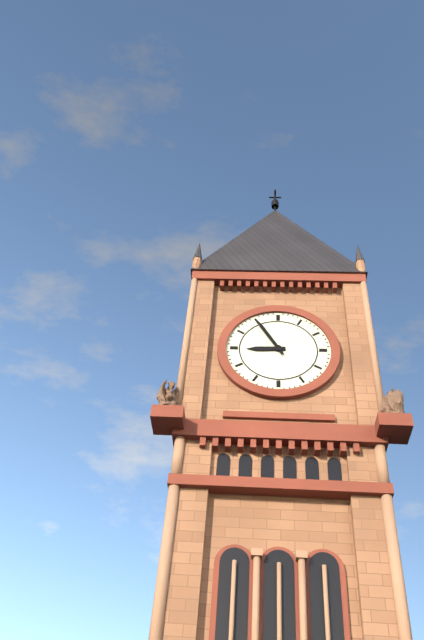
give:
8.55
